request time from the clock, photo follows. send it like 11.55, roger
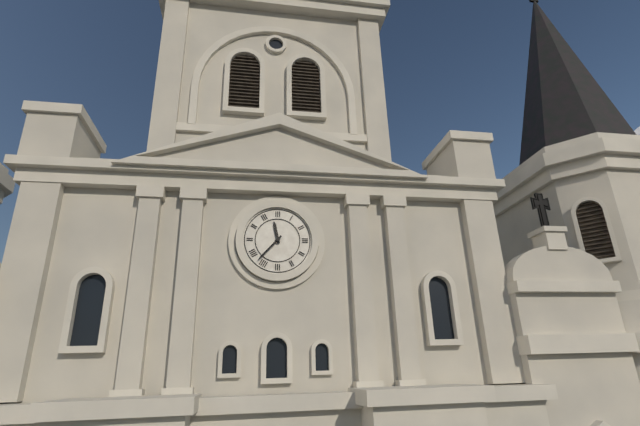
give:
11.37
